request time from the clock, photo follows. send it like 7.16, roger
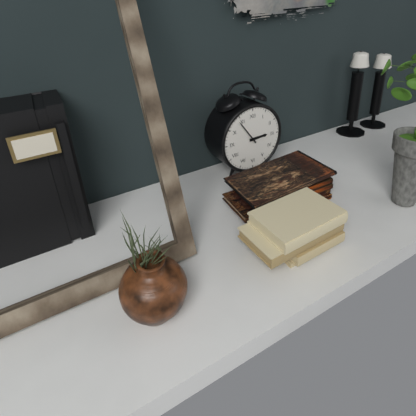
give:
2.54
